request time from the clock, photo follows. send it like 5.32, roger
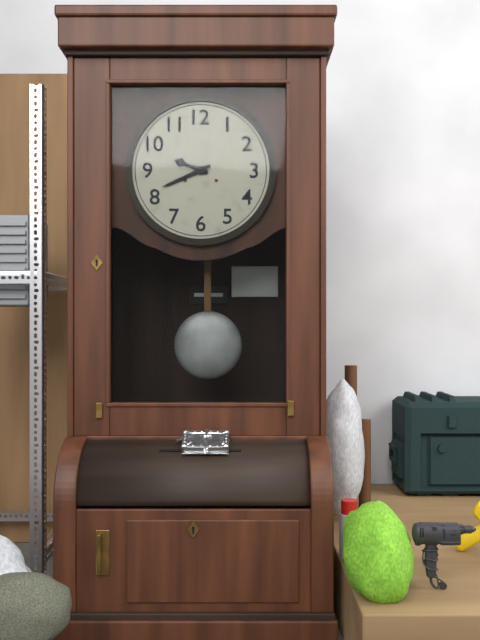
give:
9.41
